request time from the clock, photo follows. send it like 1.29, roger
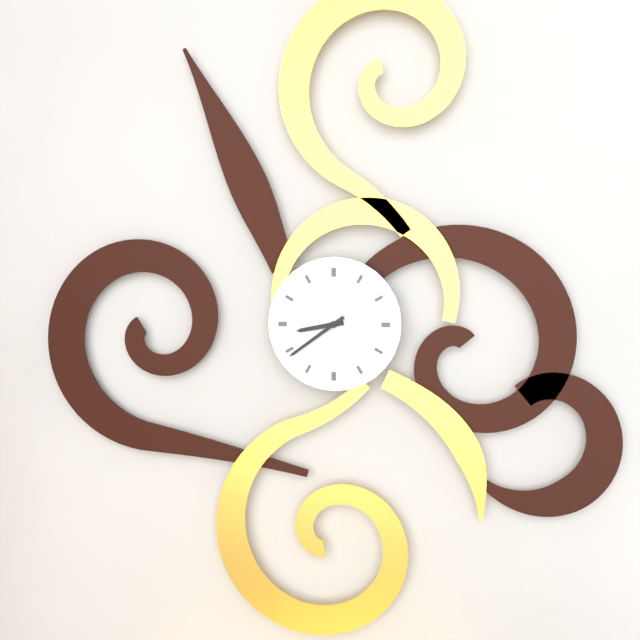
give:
8.39
